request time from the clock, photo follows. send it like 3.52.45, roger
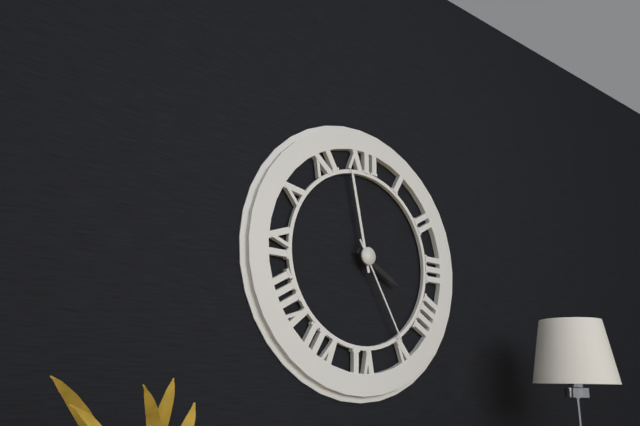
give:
3.58.25
